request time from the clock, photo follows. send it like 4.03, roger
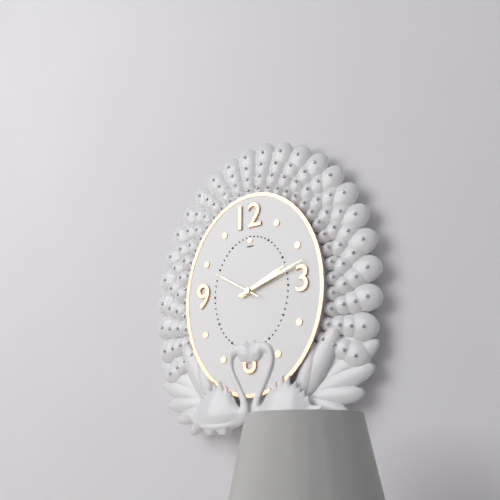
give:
2.12
